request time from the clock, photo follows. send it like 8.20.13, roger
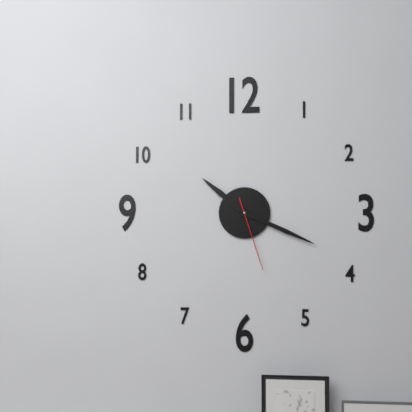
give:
10.19.27
